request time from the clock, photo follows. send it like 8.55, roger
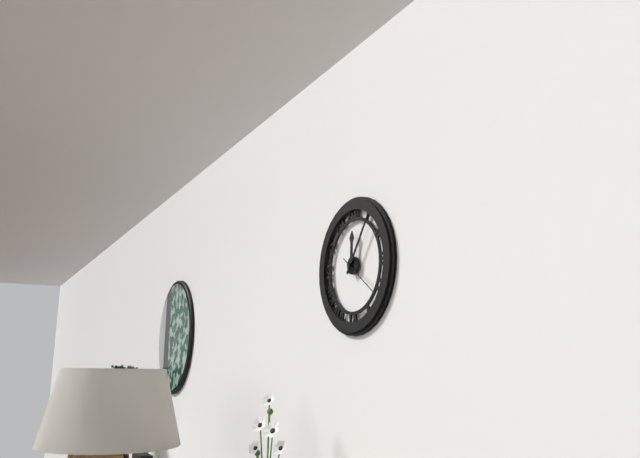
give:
12.06
